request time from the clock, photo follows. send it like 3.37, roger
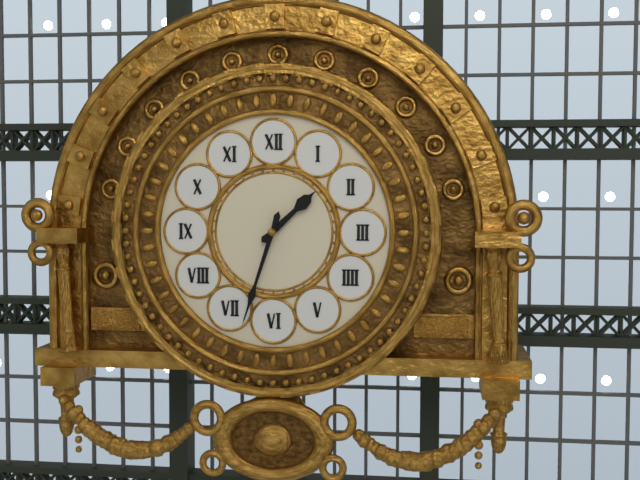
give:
1.33
